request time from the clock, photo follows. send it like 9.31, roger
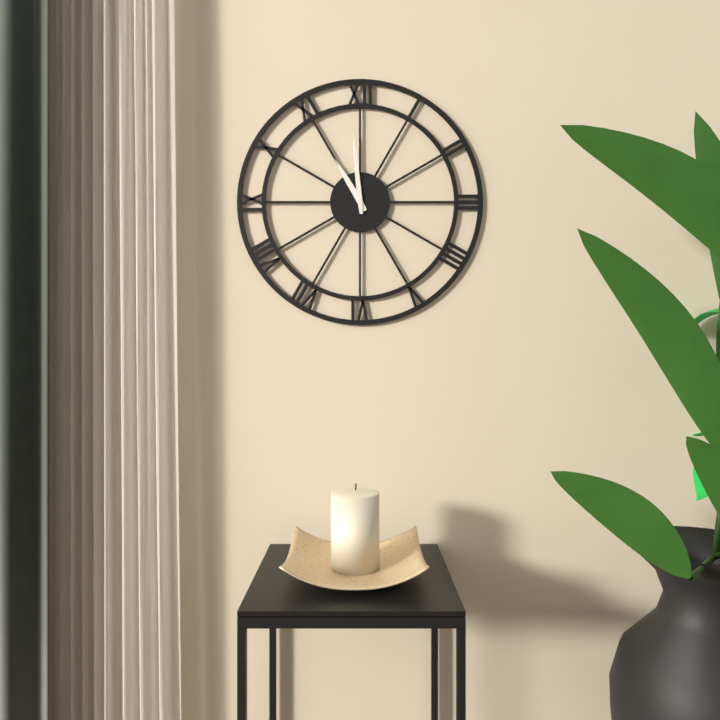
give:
10.59
